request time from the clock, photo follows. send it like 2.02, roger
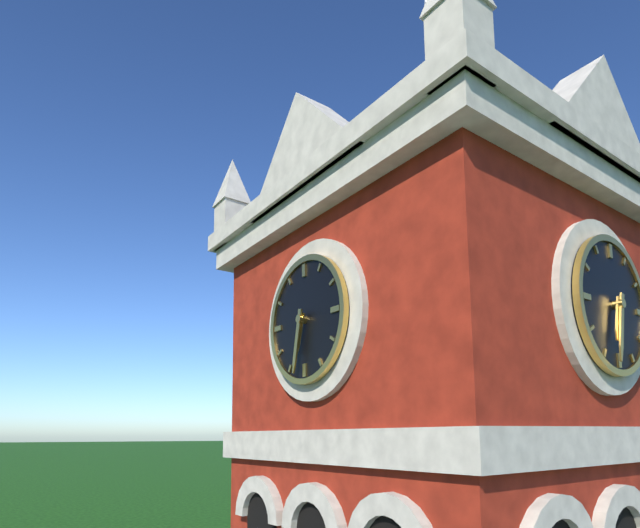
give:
6.32
